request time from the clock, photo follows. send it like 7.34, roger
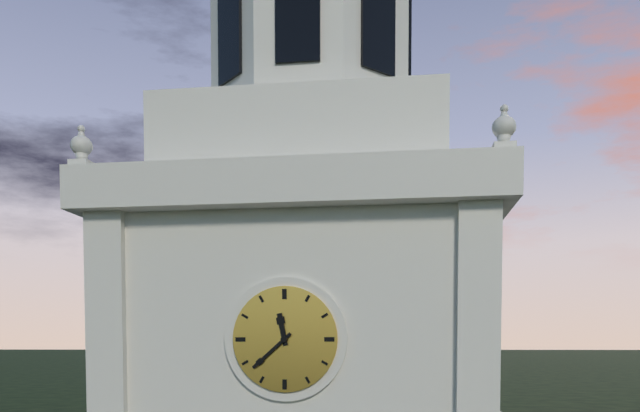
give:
11.38
